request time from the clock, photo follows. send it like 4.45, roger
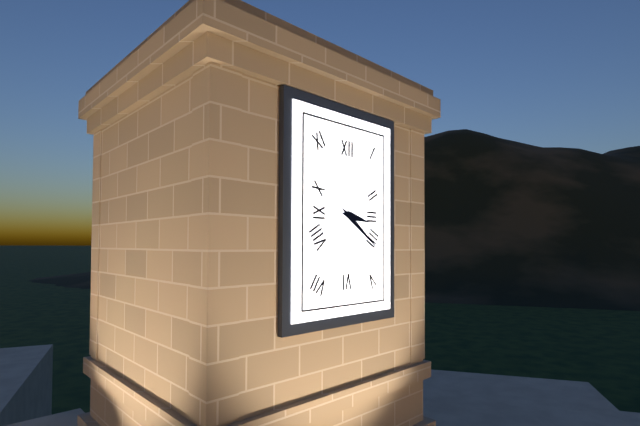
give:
3.21
